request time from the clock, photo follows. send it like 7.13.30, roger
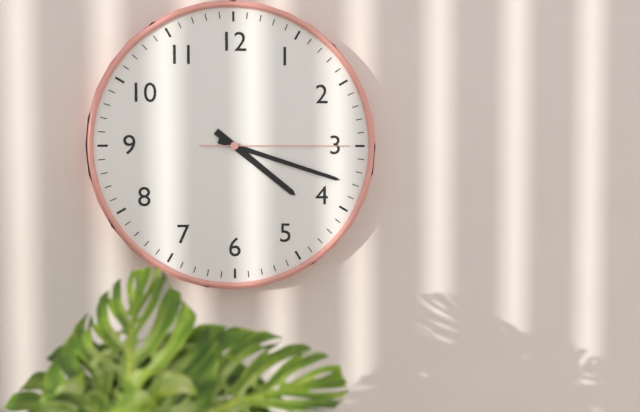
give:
4.18.15
